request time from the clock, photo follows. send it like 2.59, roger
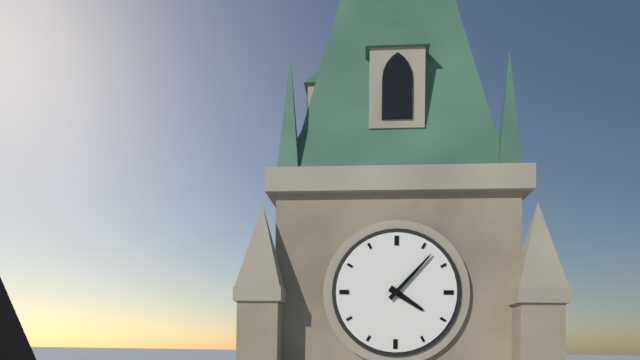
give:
4.07
